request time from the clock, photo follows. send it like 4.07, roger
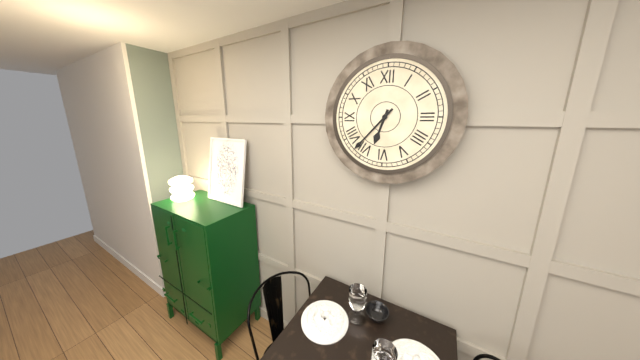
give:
6.37
